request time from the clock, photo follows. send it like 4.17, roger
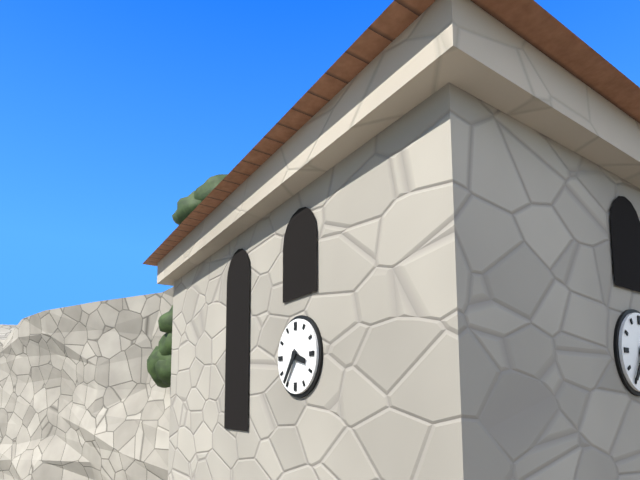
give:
3.36
